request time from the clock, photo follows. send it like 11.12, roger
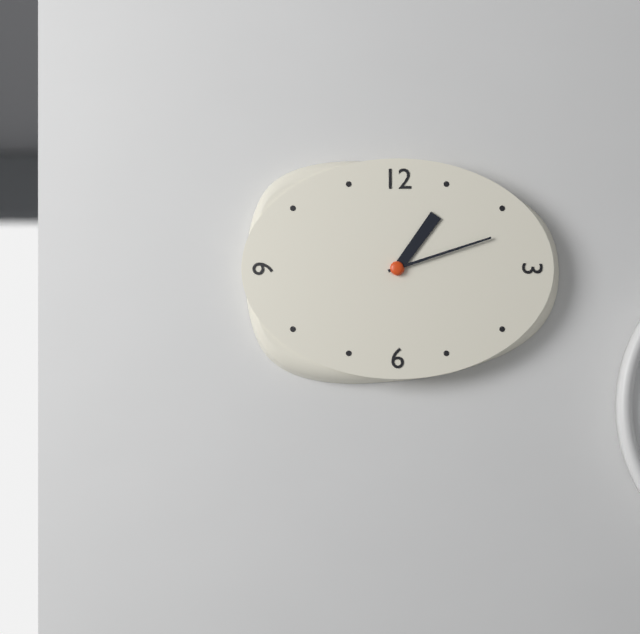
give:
1.12
